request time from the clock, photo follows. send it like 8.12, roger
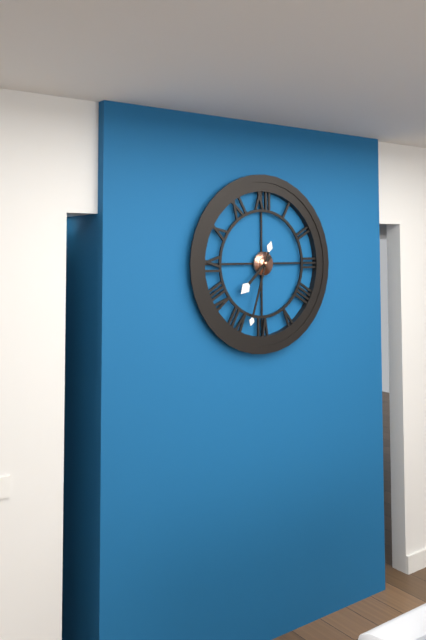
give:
7.33
